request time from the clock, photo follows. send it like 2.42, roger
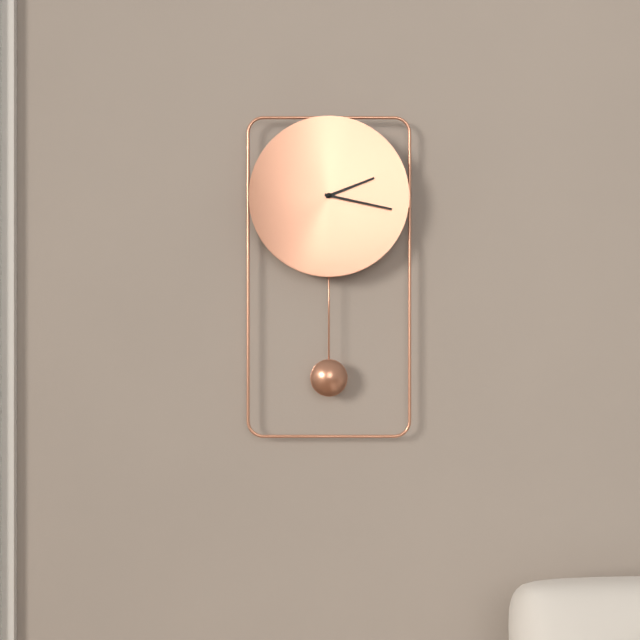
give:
2.17
